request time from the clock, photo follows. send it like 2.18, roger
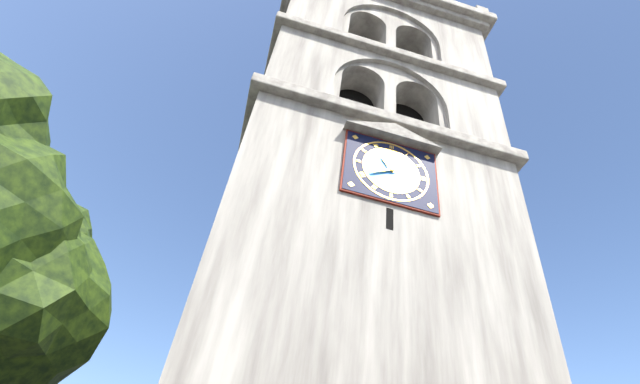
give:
10.40
